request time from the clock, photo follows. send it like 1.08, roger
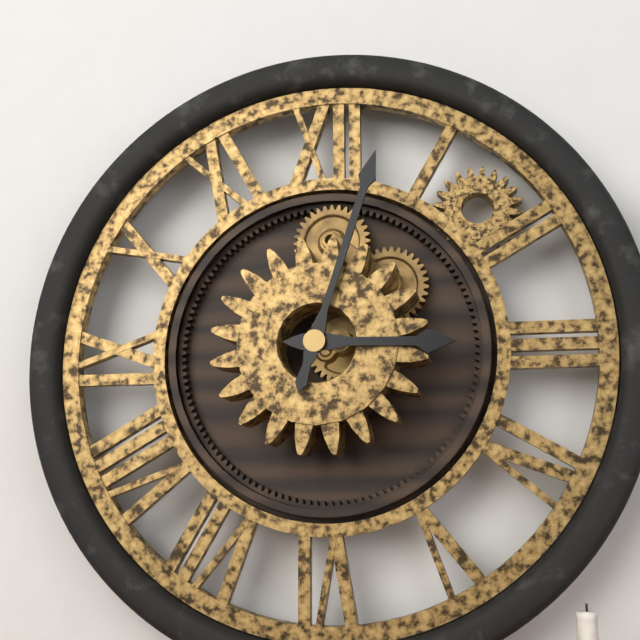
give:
3.03
